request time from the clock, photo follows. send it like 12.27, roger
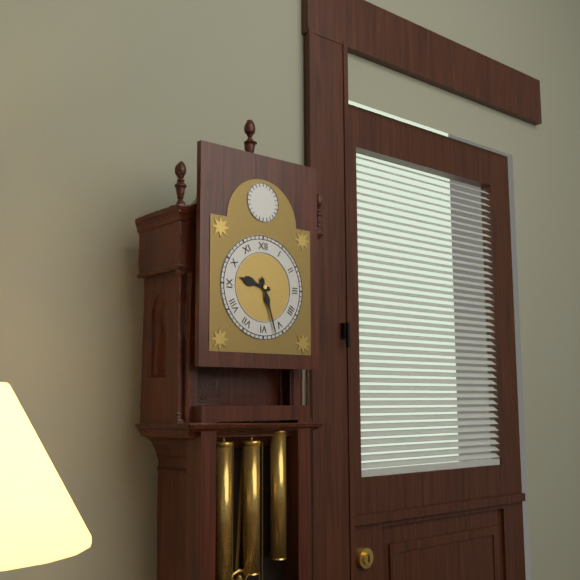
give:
9.27
